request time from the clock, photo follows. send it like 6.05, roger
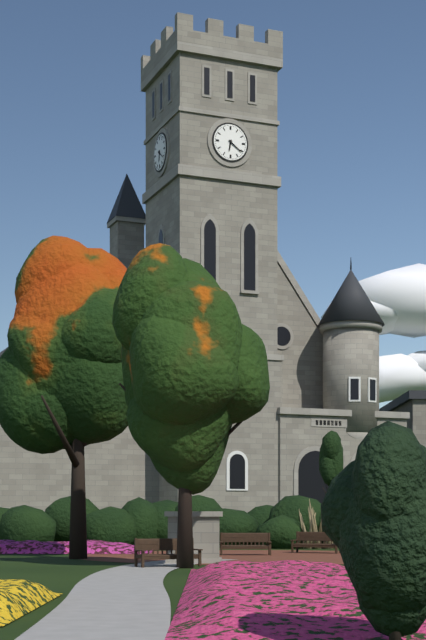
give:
6.21
